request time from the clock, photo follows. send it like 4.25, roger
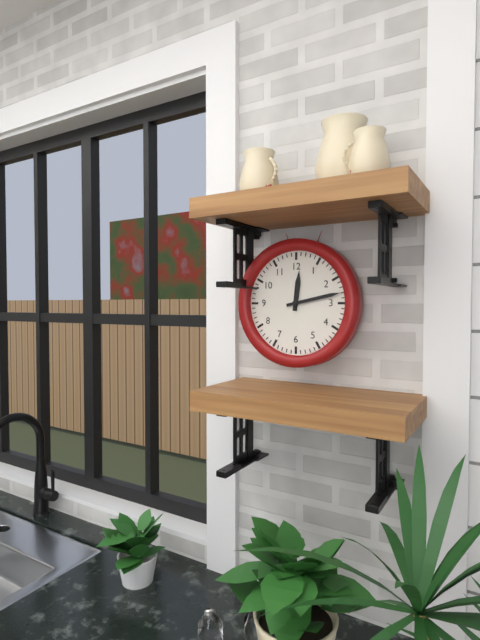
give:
12.13
